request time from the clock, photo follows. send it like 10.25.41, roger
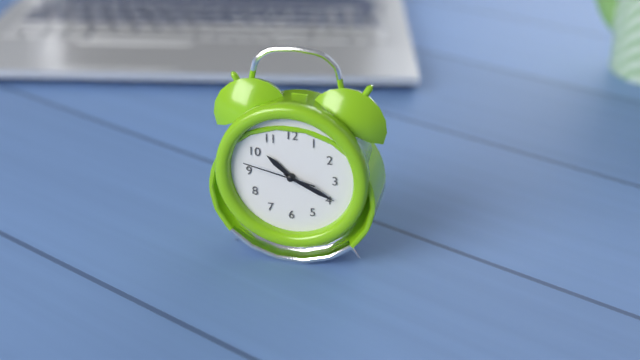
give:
10.19.47
